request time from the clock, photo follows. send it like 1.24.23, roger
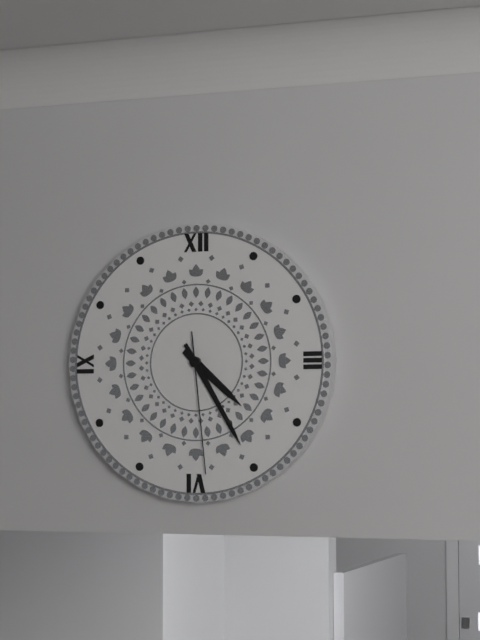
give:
4.25.29
